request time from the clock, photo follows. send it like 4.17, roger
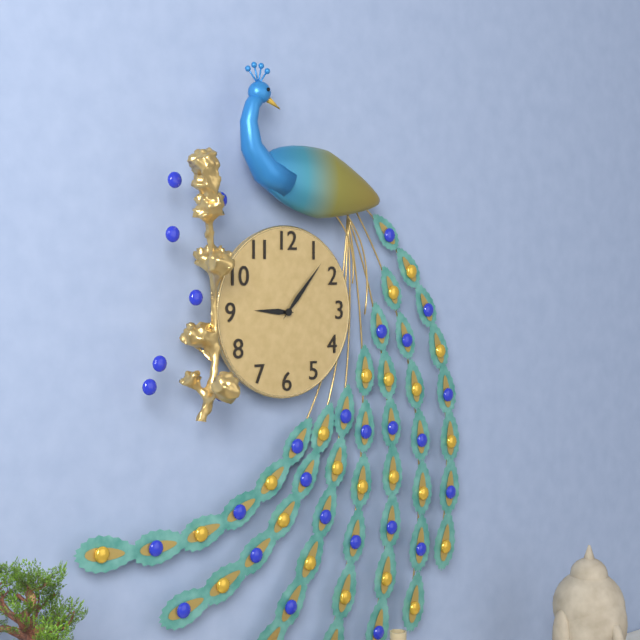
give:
9.07
